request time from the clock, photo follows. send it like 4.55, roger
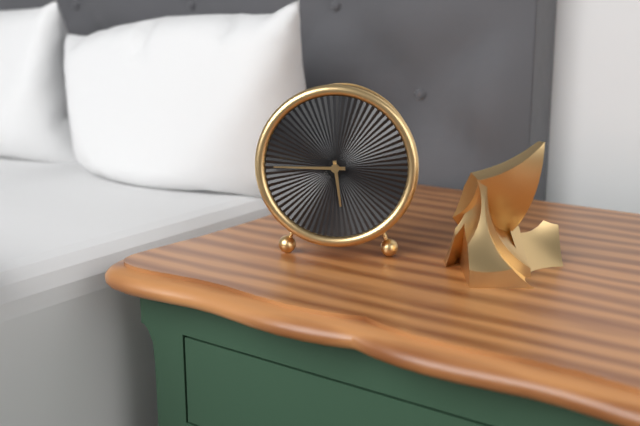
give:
5.45
